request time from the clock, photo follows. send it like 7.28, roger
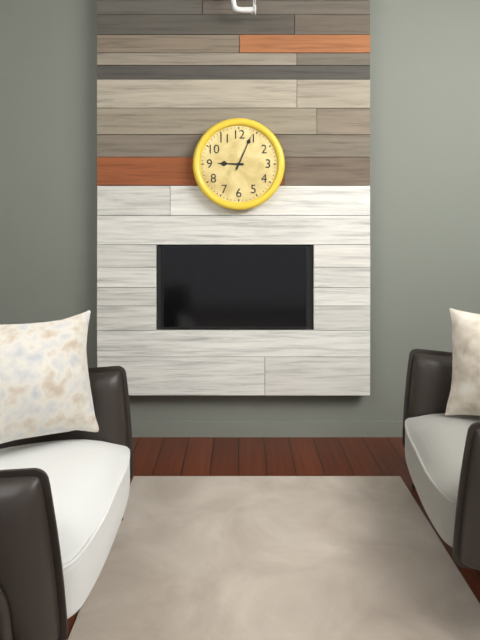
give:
9.04
